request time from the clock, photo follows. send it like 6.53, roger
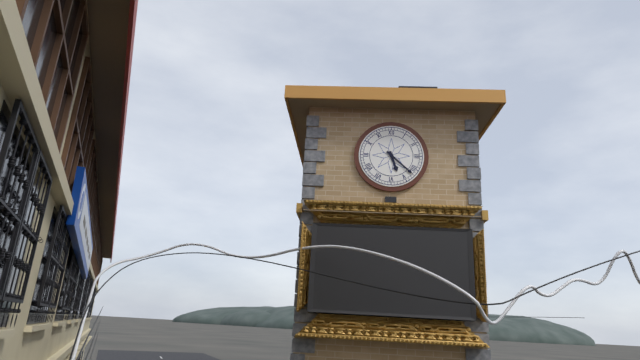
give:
5.22
